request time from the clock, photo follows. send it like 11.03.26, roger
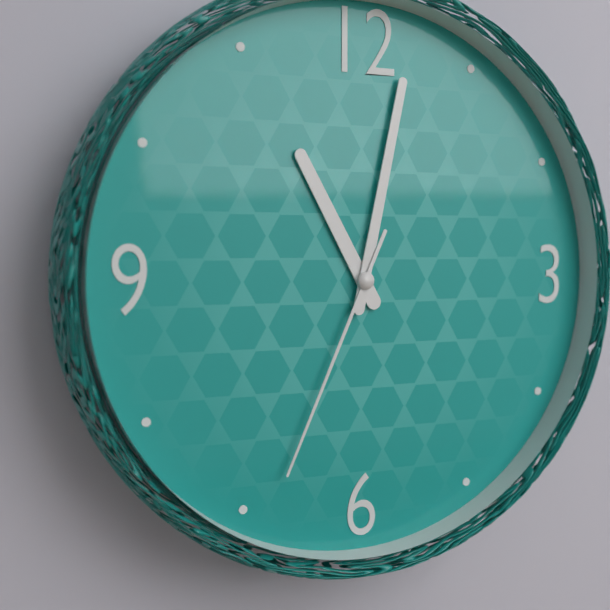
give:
11.02.34
